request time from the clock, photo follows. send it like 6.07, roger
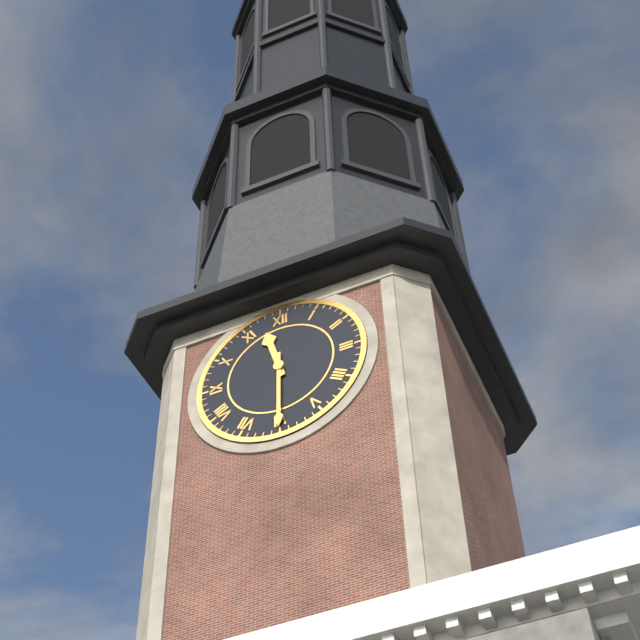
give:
11.30
